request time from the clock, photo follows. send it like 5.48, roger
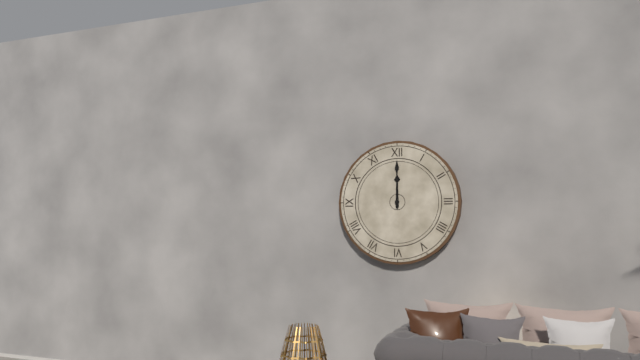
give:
12.00
